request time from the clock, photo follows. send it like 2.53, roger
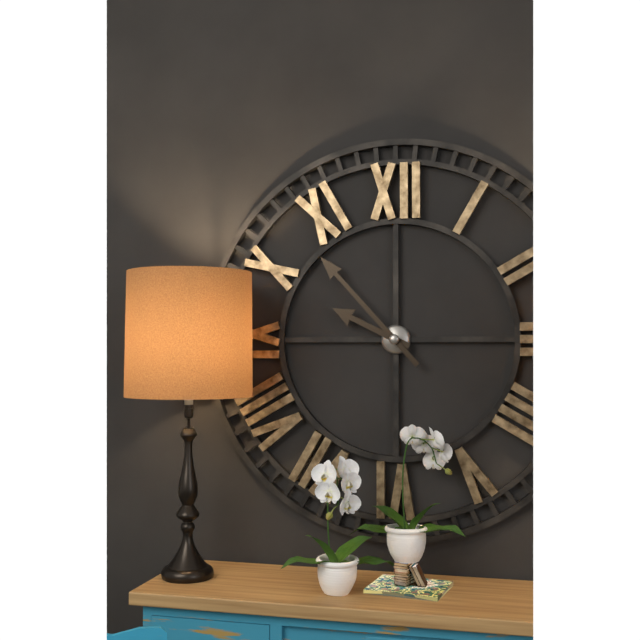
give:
9.53
